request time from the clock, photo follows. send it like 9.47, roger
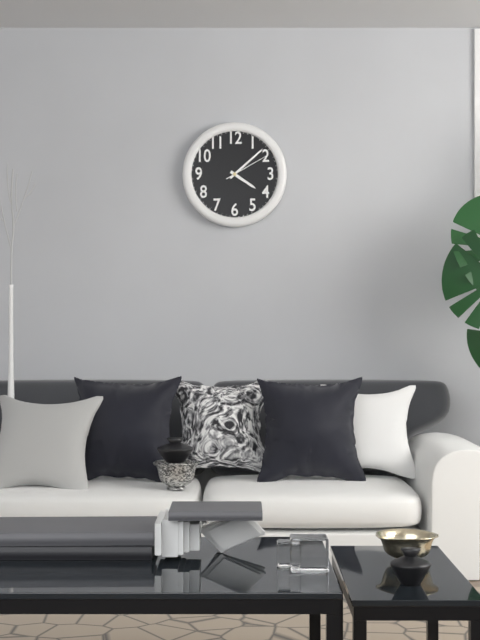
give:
4.08
